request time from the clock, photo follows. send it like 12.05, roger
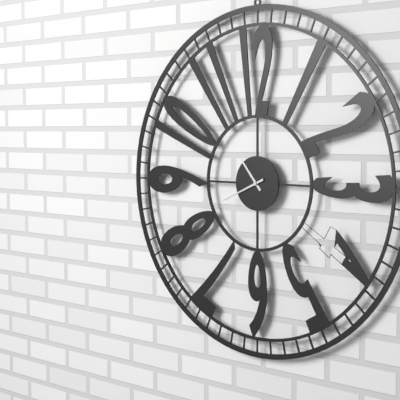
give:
10.41
